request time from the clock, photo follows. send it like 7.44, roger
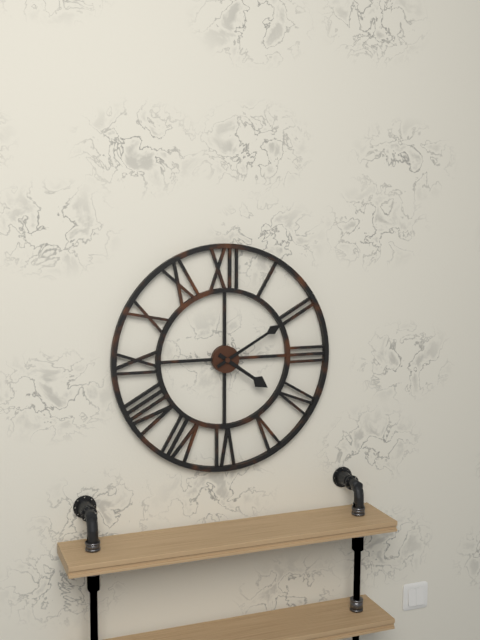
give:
4.10
